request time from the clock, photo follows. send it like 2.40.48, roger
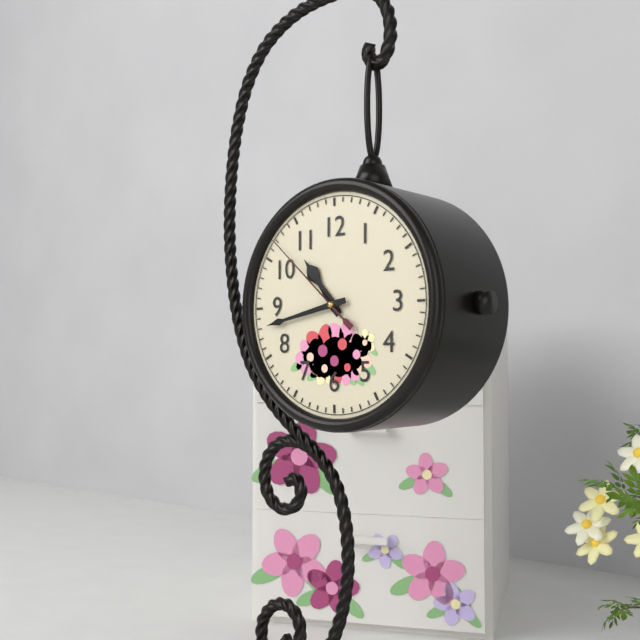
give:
10.43.52
